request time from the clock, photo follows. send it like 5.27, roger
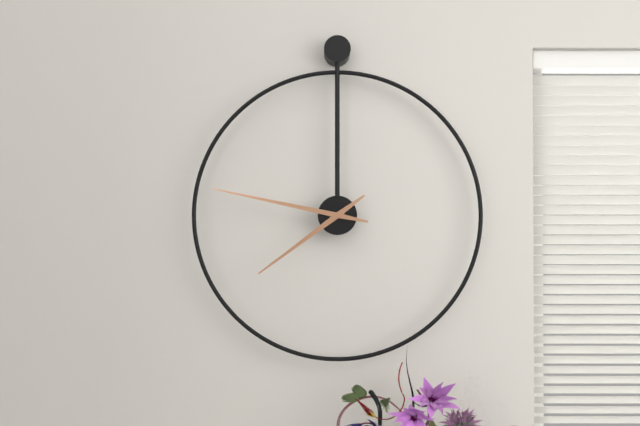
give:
7.47
